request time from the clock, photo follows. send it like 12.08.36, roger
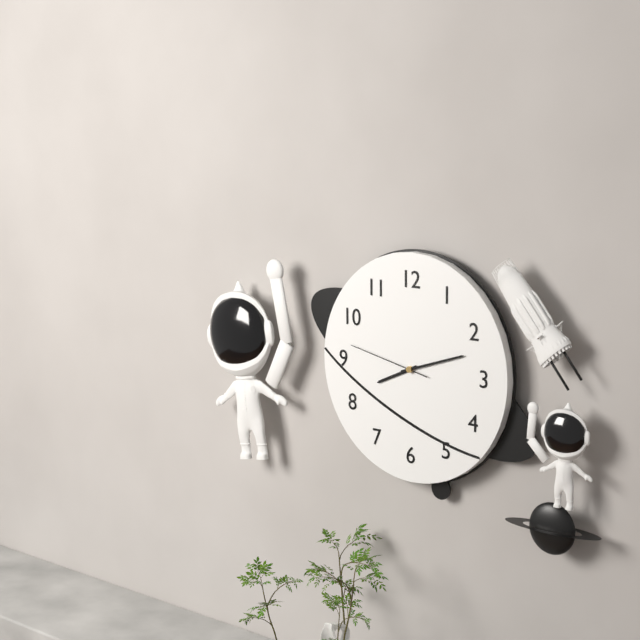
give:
8.12.47
